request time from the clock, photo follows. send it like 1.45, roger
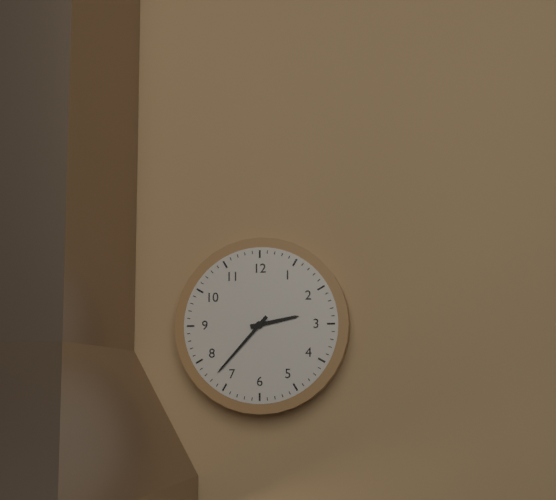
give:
2.37
